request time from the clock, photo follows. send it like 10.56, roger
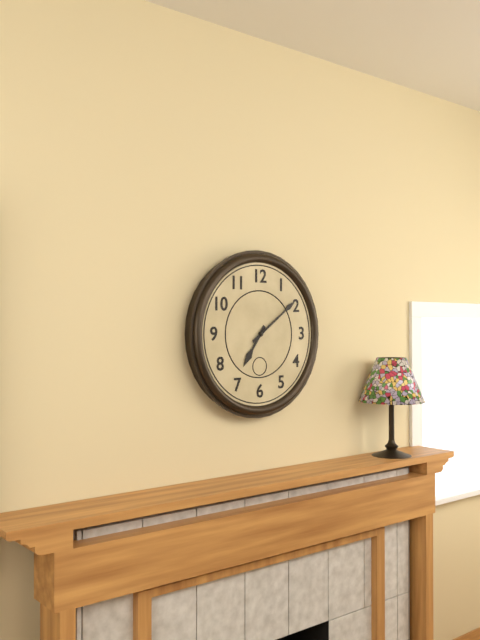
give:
7.09
